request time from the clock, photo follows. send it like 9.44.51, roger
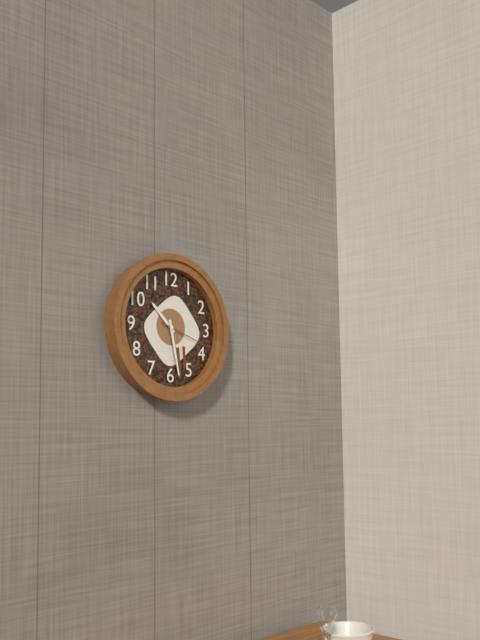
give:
10.28.18
